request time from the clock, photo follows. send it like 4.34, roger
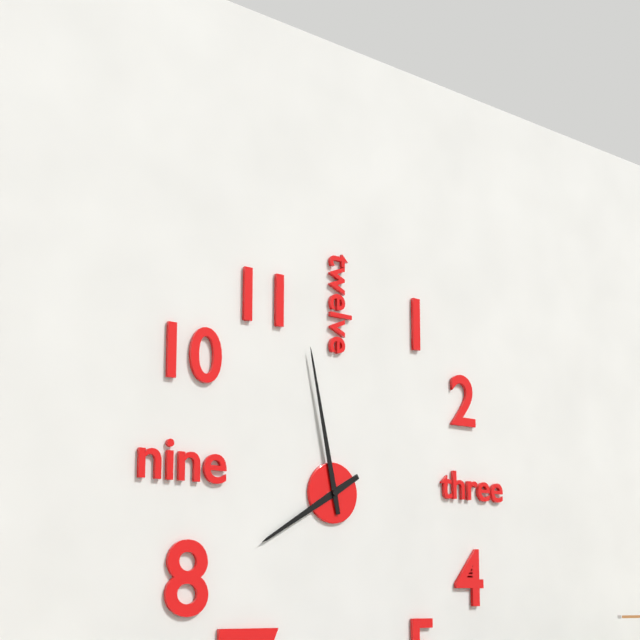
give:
7.58
